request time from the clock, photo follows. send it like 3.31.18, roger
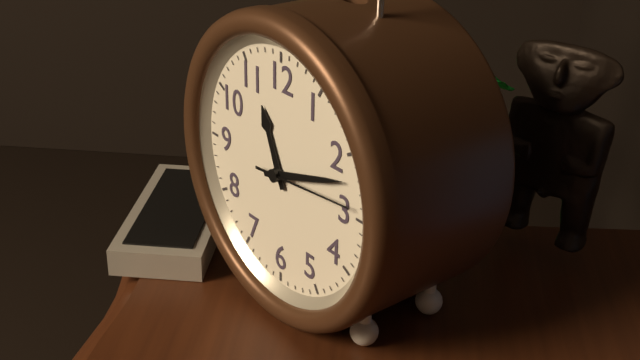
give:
11.12.14
